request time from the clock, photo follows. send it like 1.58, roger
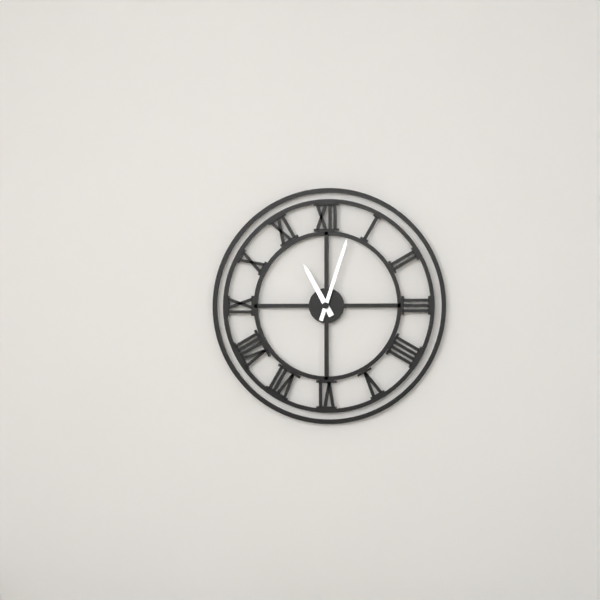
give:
11.03
